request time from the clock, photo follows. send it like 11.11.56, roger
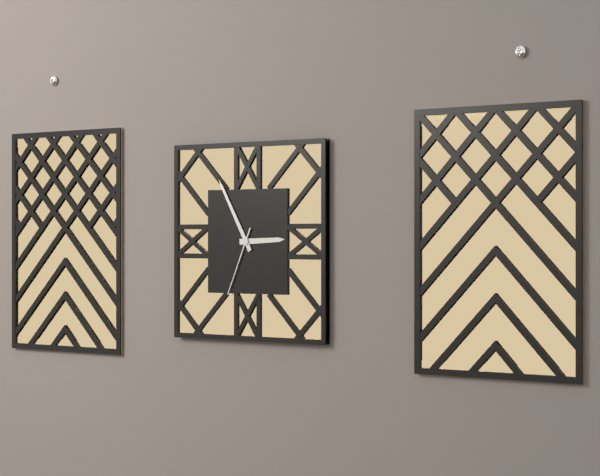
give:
2.55.34
